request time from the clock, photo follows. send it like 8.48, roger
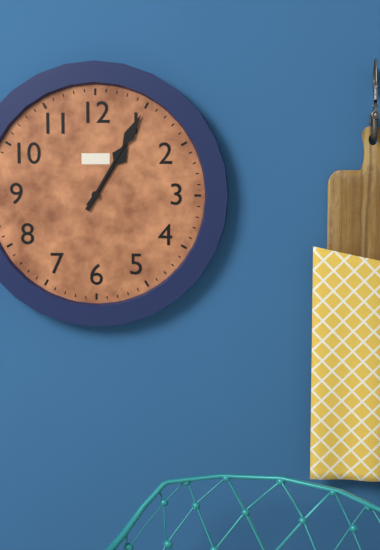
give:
1.05
